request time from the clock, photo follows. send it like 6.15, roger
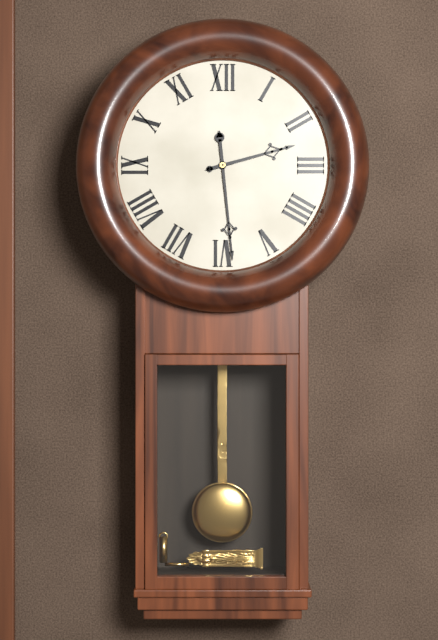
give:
2.29
